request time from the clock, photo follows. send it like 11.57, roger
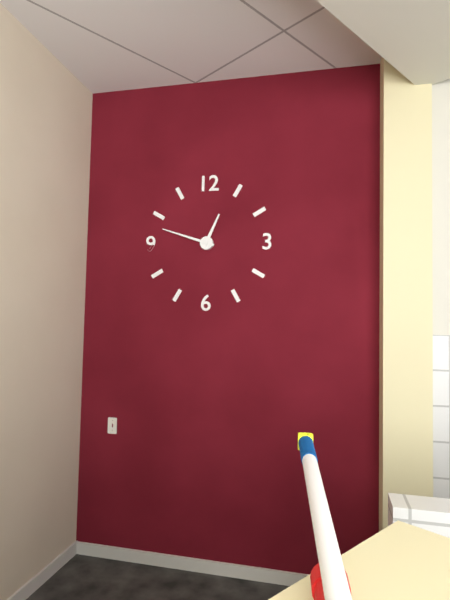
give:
12.48
